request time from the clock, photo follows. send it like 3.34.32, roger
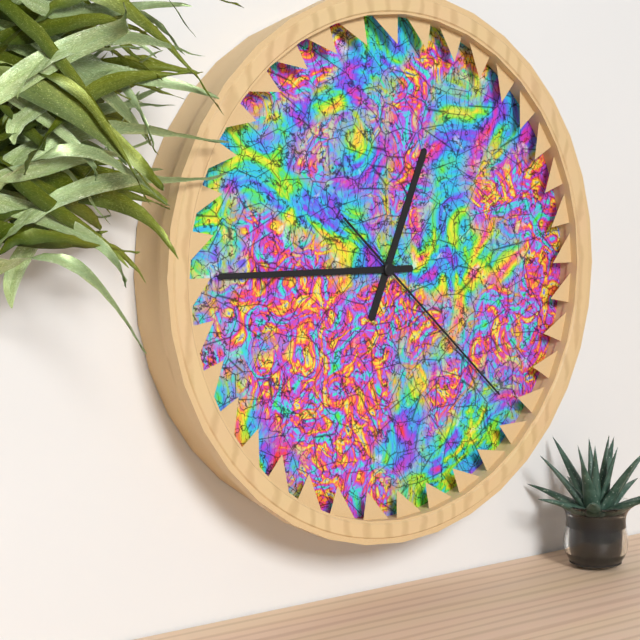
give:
12.45.22
